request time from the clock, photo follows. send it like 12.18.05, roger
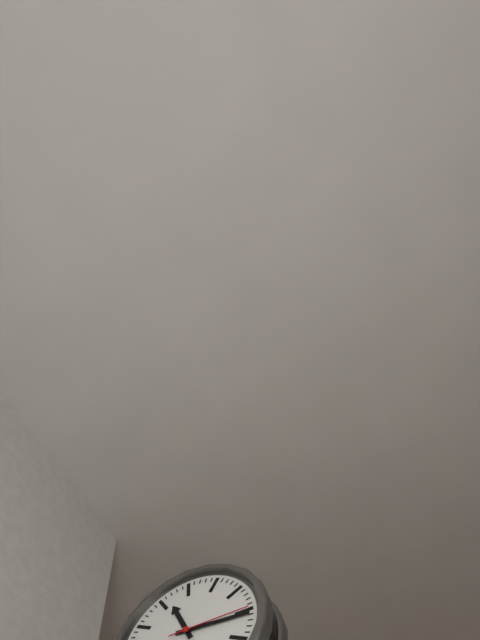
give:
11.16.15
